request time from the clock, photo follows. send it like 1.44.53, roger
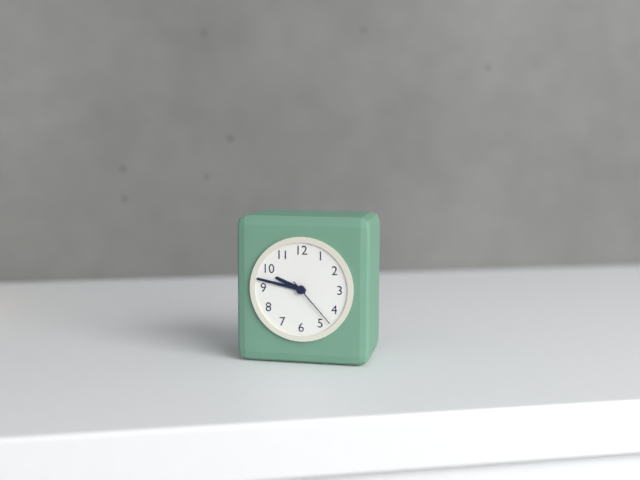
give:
9.47.23
